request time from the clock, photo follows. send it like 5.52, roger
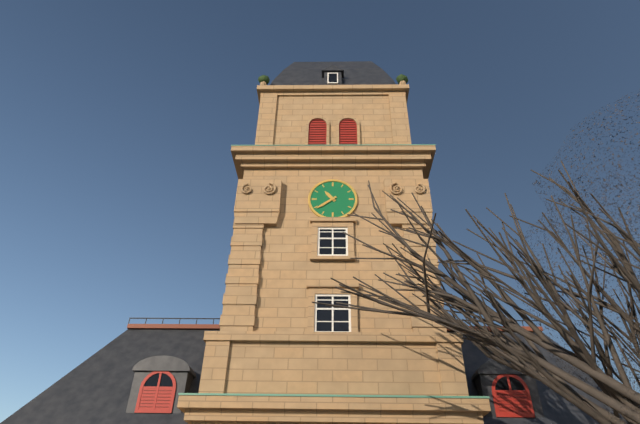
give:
10.39
